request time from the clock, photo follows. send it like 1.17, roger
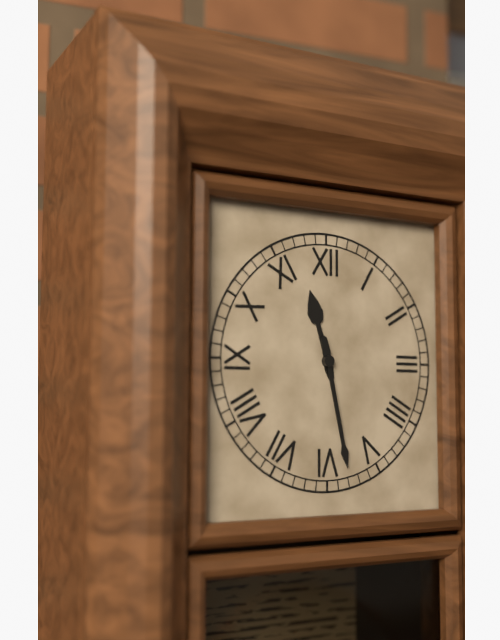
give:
11.28
